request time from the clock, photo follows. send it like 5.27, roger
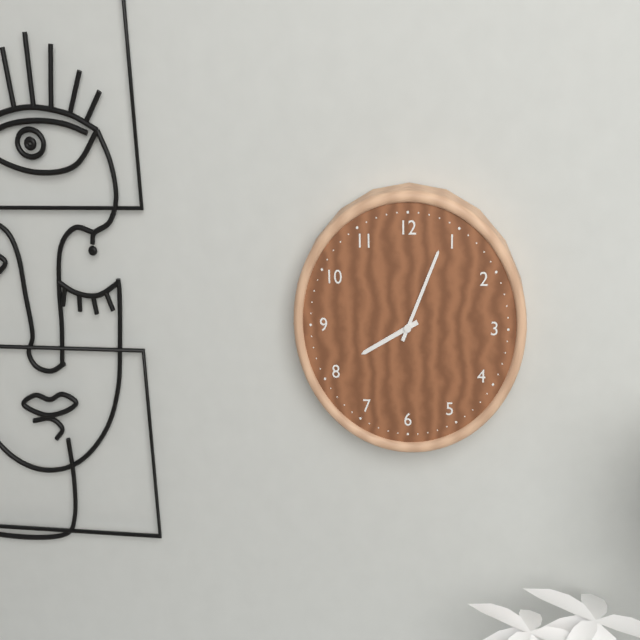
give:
8.04
